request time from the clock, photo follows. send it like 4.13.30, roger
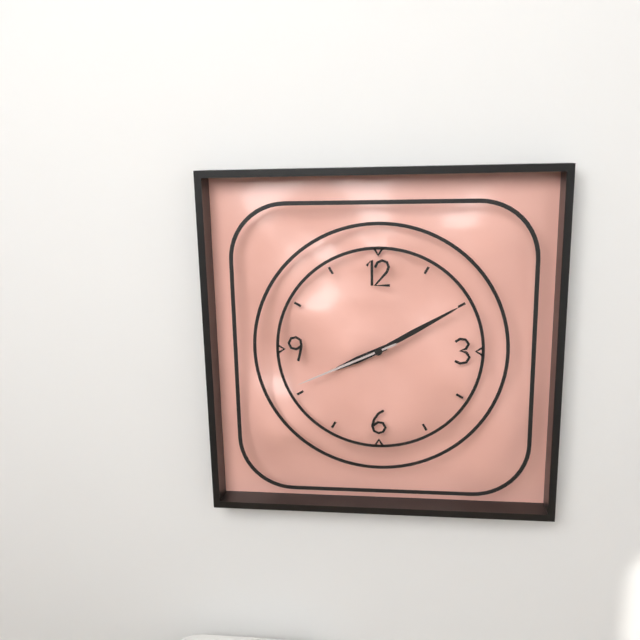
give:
8.10.41
